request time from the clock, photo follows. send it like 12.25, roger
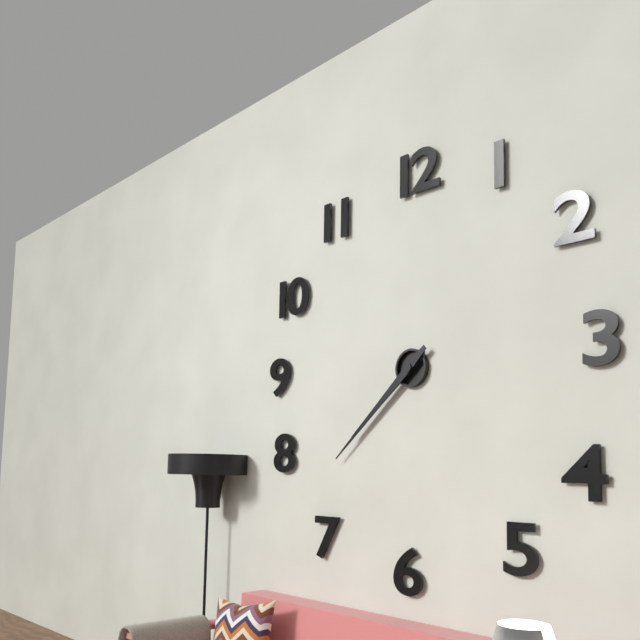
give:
7.38
